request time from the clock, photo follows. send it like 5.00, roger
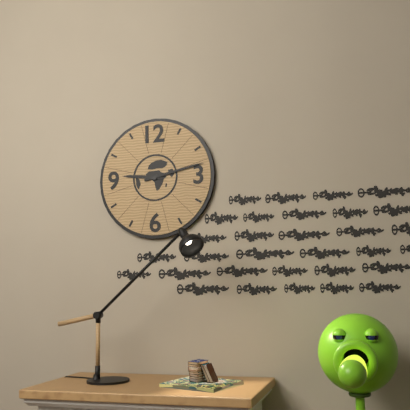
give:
9.13
